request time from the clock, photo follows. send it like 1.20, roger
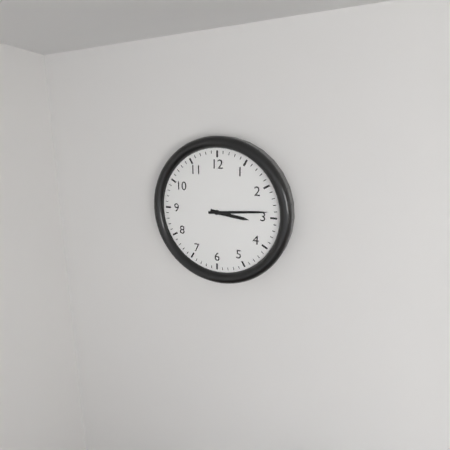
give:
3.14
